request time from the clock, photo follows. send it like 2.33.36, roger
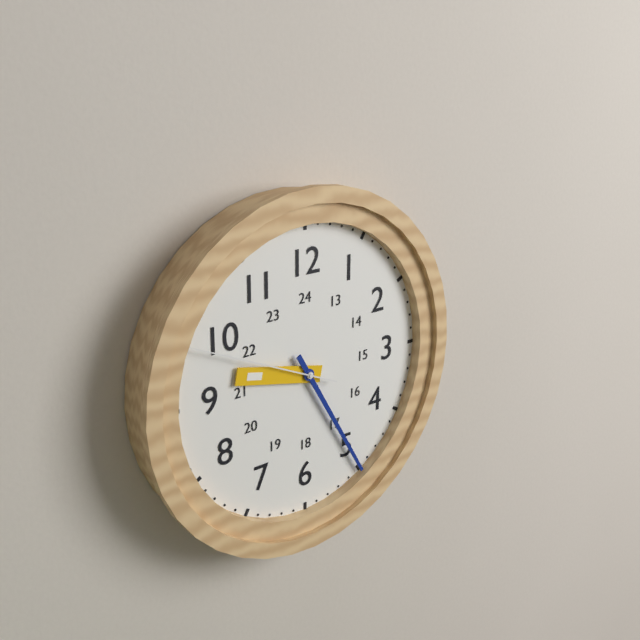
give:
9.25.49
